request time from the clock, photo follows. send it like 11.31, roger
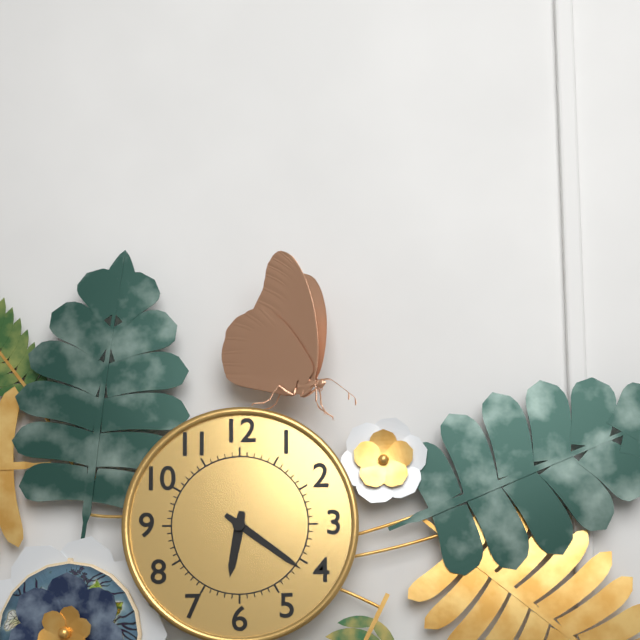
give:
6.21
